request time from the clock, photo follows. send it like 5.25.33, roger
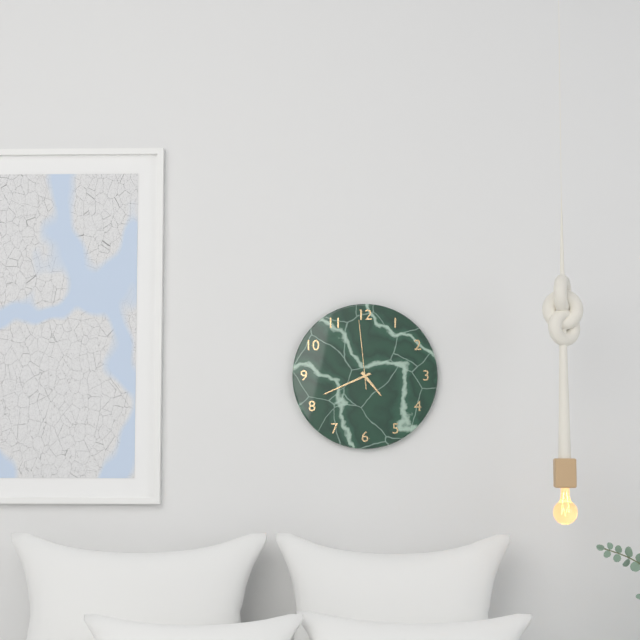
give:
4.41.59
